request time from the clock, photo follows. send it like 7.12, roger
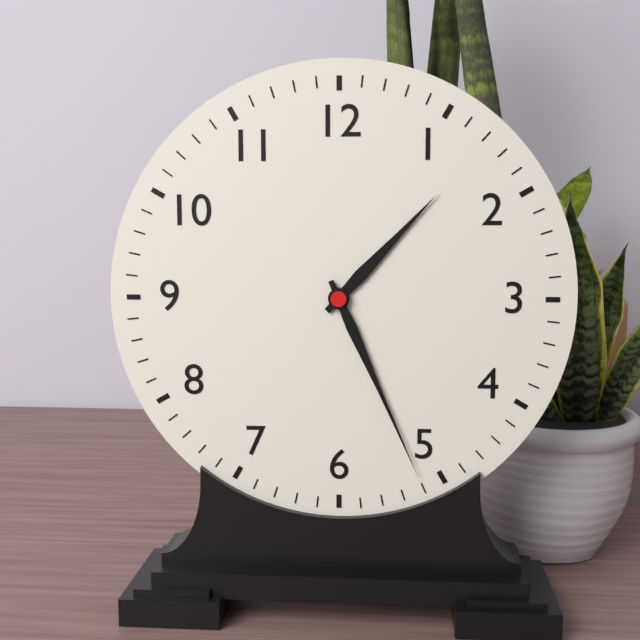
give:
1.26
